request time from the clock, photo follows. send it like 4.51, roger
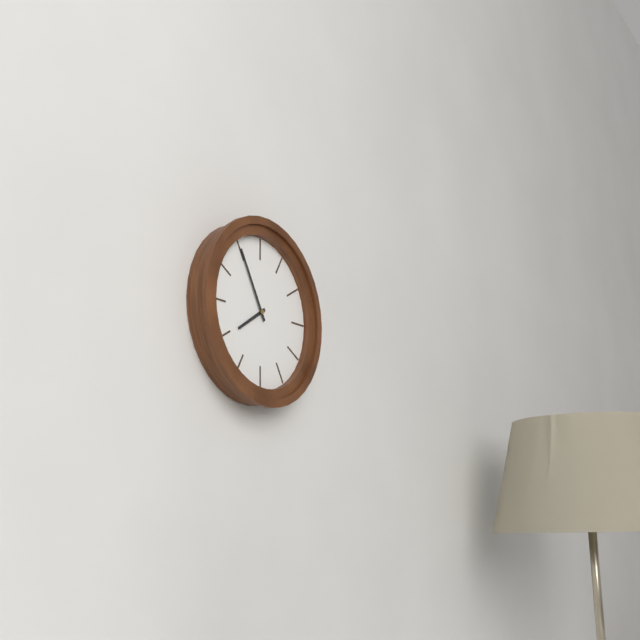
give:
7.55
